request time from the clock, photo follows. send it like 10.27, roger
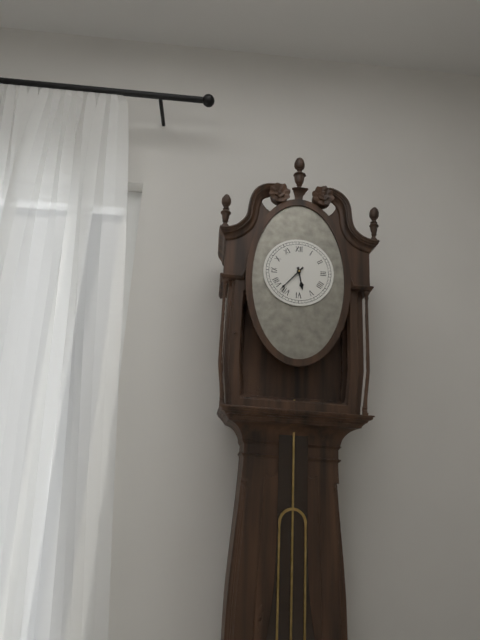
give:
5.37
